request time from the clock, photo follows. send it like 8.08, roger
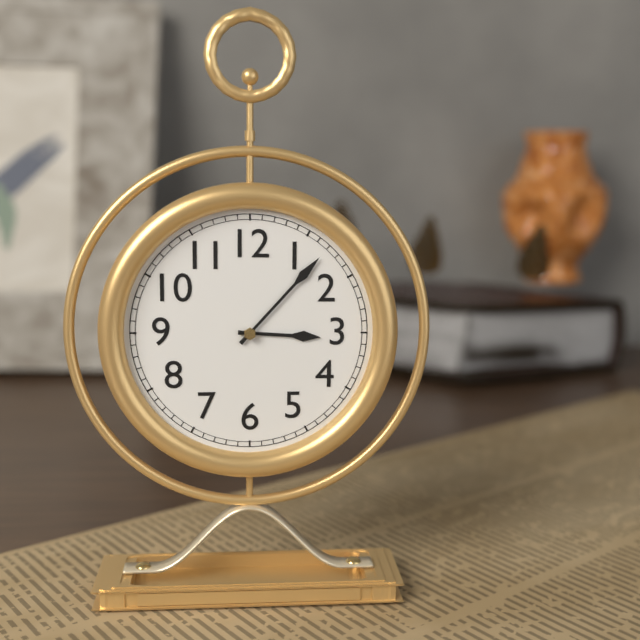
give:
3.07
